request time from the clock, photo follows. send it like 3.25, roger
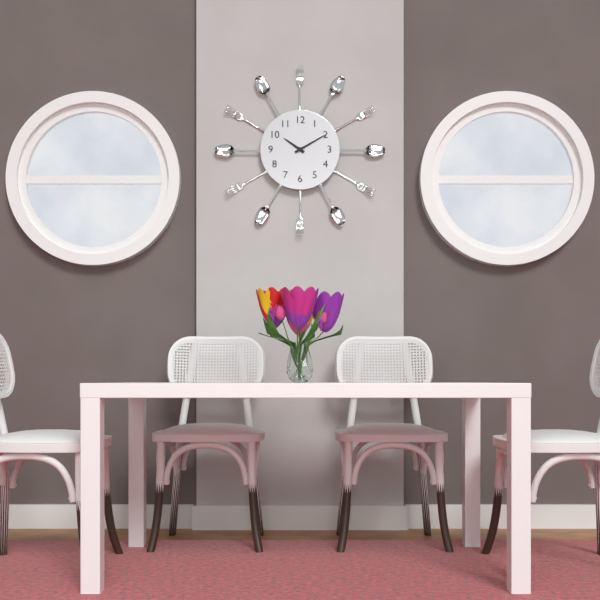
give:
10.10
